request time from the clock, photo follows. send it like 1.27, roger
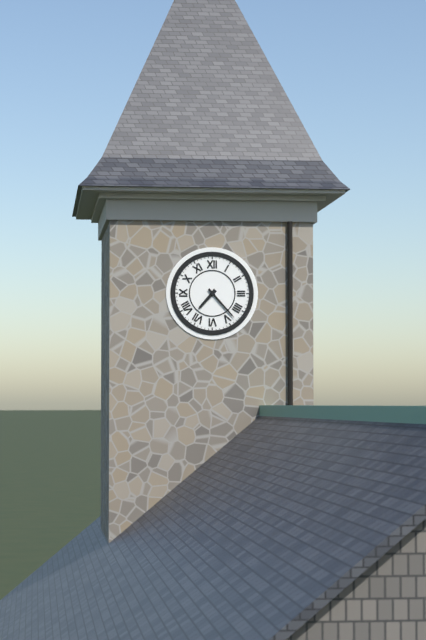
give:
7.23
